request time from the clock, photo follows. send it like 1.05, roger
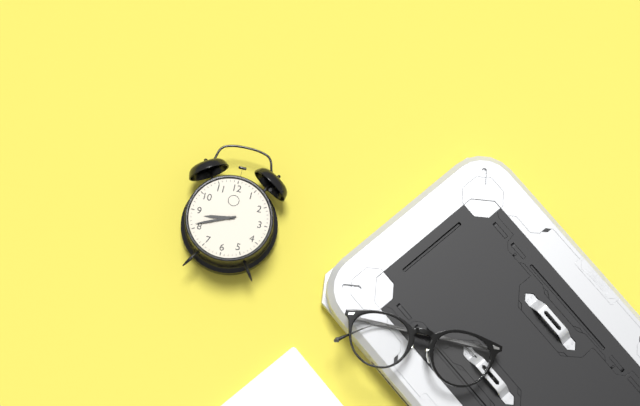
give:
8.41
